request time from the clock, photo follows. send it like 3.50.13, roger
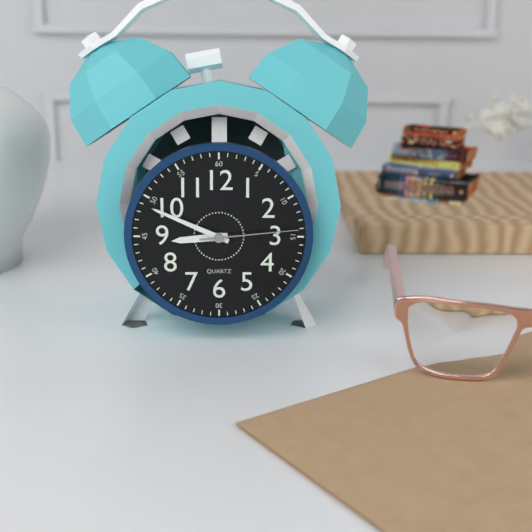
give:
8.49.14
